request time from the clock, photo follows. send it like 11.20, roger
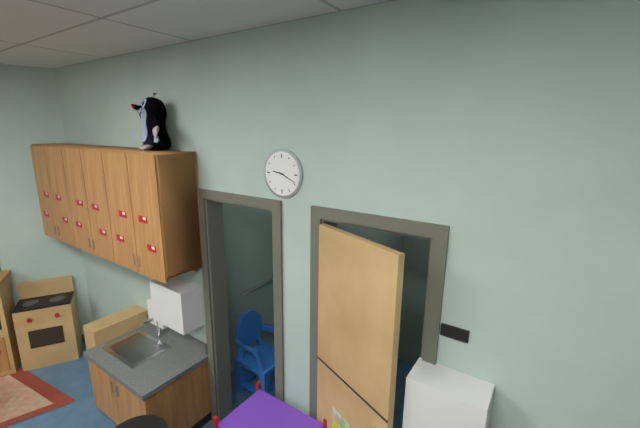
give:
9.19
